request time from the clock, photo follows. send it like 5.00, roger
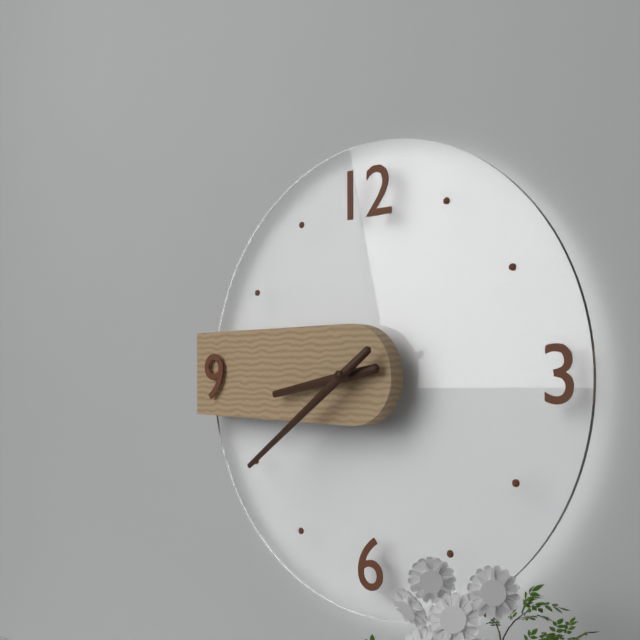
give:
8.39
